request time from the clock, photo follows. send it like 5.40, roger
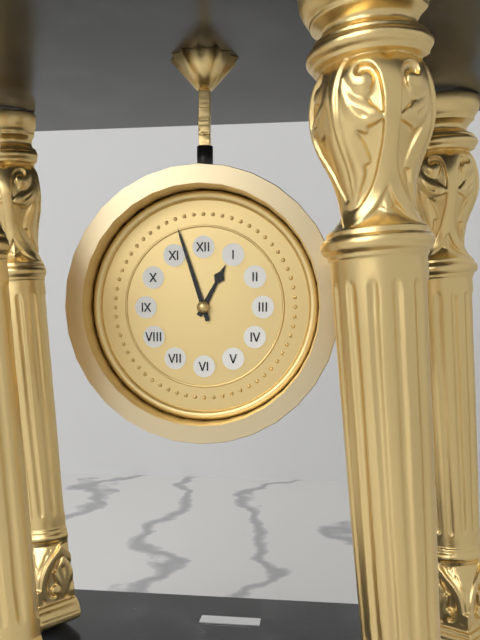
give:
12.57
